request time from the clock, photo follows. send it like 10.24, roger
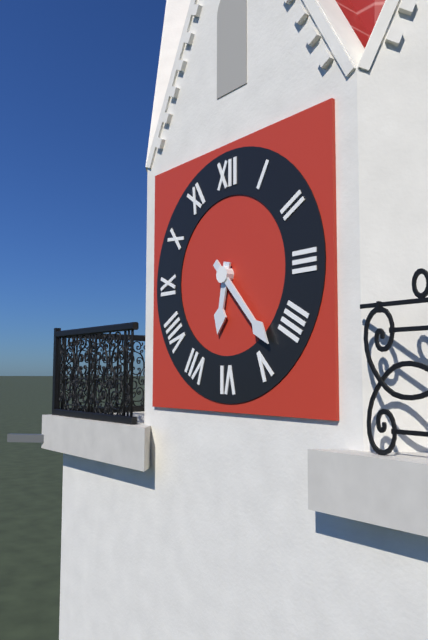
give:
6.23
